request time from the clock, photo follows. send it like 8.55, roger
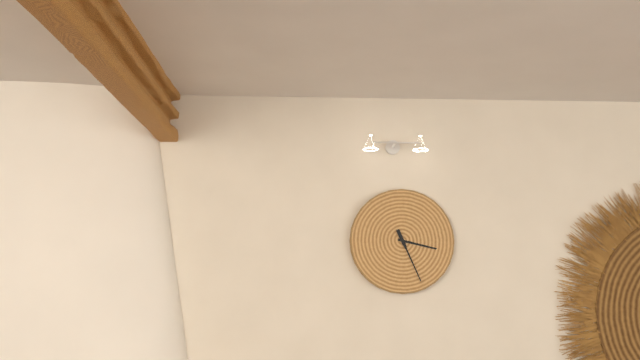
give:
3.26
